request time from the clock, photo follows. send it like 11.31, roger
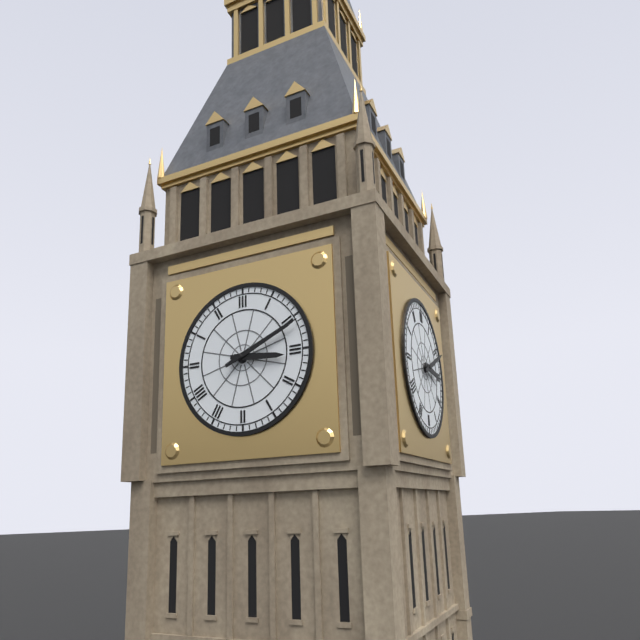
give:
3.11
